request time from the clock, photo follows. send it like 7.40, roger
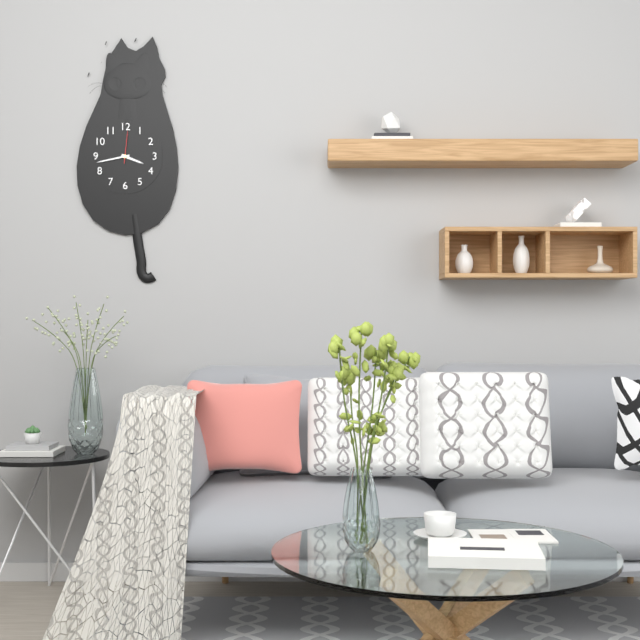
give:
3.43
